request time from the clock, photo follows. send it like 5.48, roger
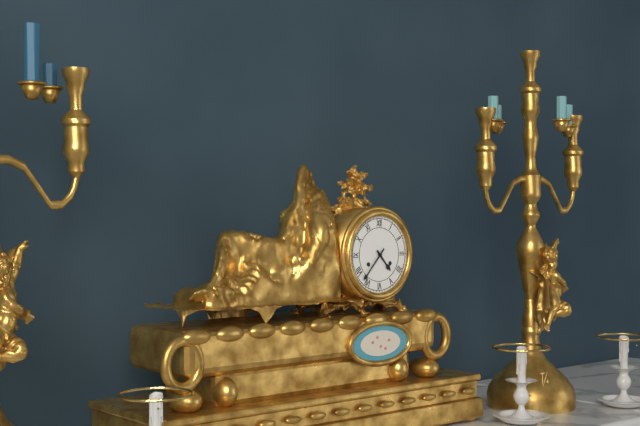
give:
4.37
